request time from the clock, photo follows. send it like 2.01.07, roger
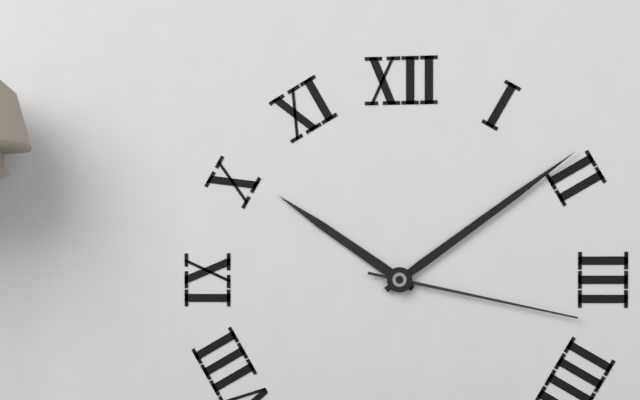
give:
10.09.17
